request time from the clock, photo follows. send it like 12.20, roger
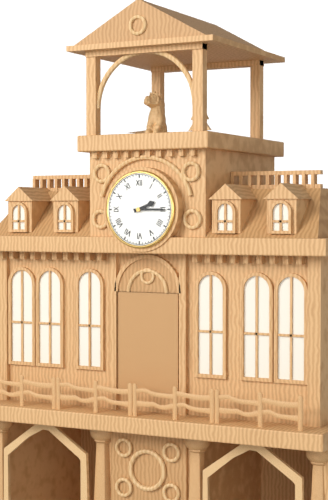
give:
2.15
